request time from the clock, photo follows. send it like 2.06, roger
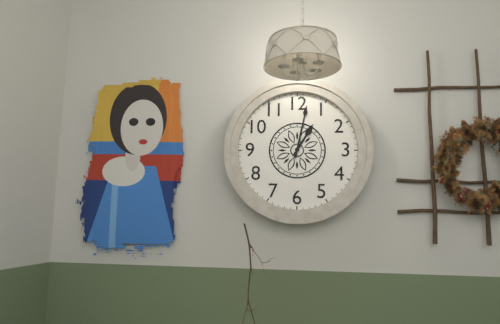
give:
1.02
